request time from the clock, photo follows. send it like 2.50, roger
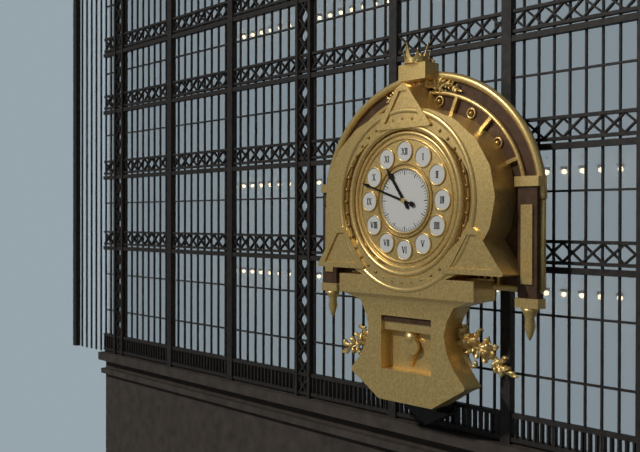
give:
10.48
